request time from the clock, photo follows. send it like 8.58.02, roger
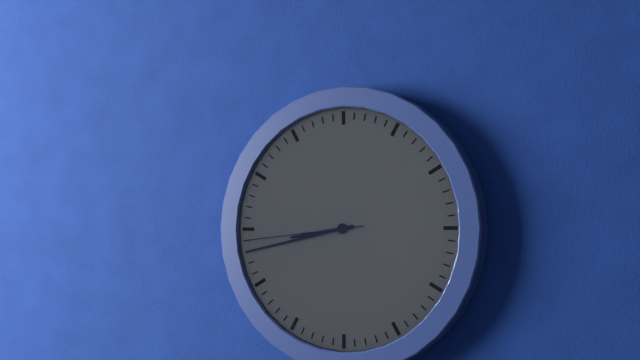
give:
8.43.44
